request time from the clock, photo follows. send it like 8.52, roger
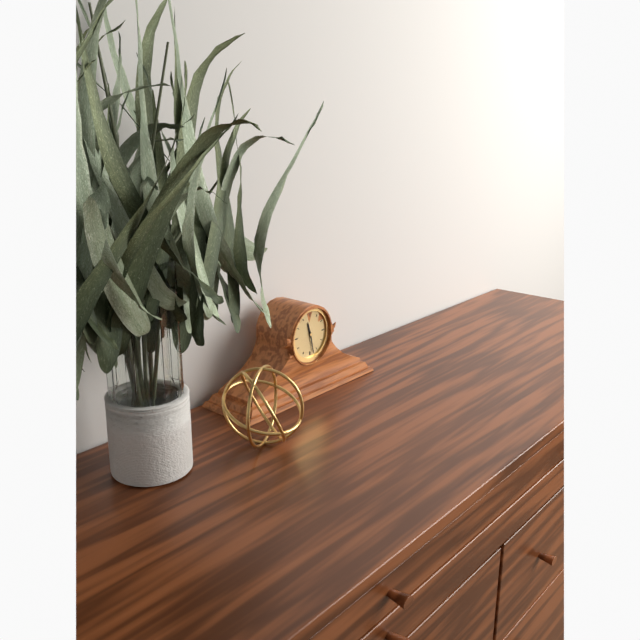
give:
11.28
